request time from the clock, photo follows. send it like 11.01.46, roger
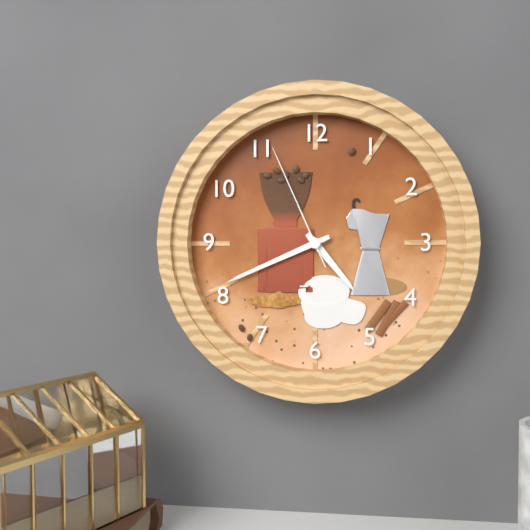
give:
4.41.56
